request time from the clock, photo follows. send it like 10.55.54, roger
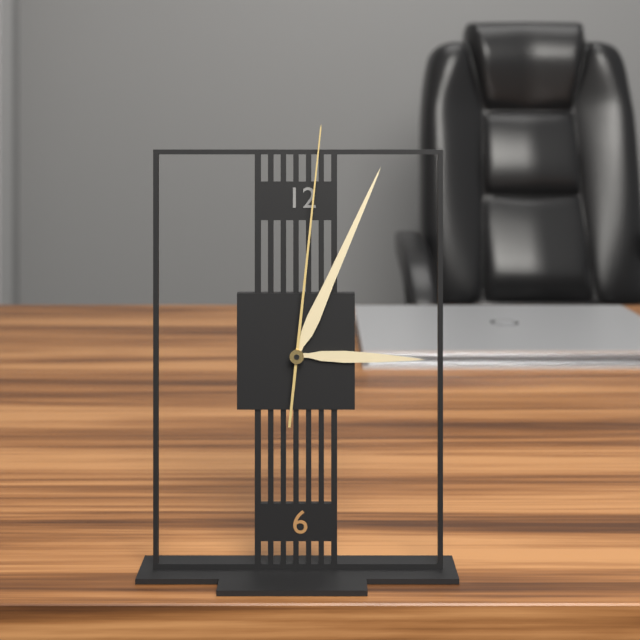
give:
3.04.01
